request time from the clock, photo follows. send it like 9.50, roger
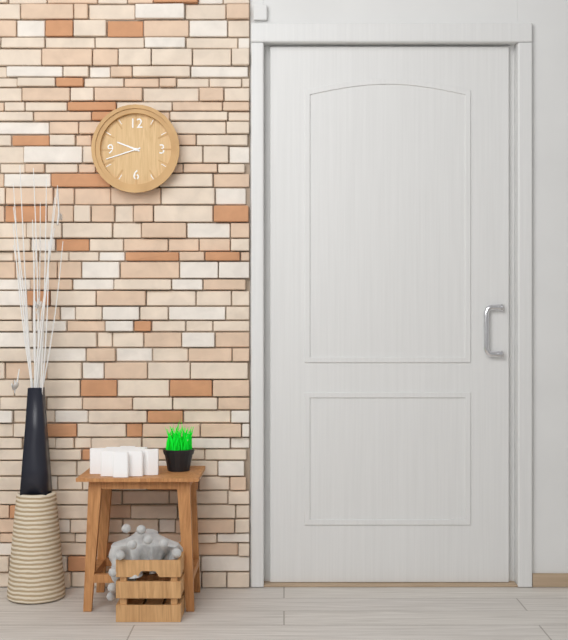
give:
9.42
